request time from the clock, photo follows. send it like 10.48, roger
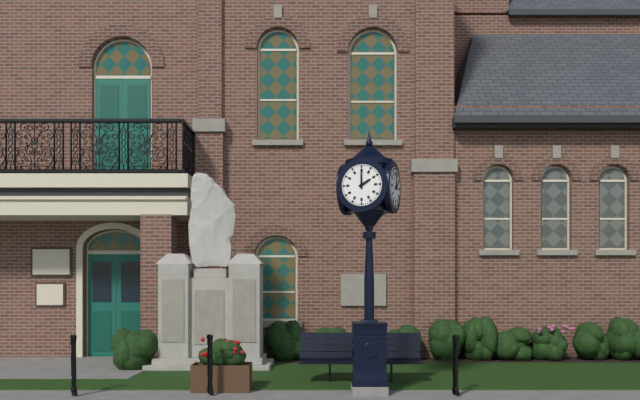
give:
2.00
